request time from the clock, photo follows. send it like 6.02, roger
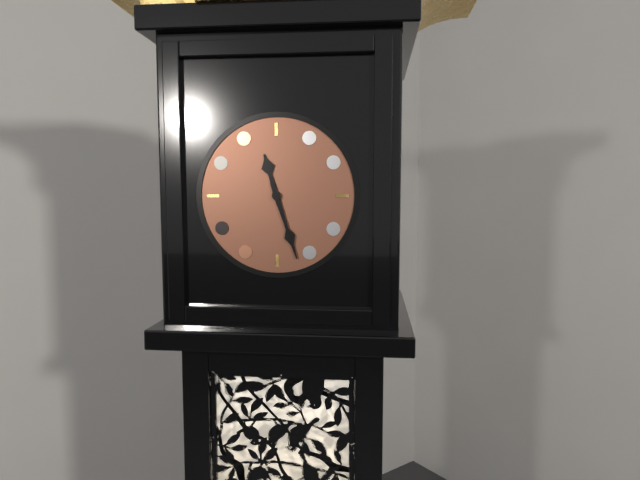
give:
11.27
